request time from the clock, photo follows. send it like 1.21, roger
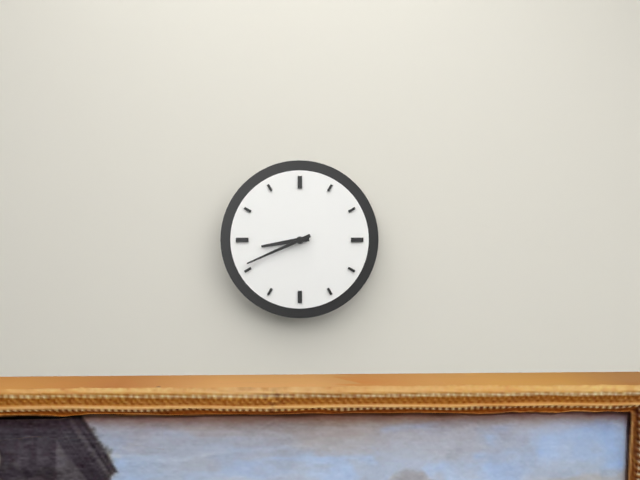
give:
8.41
